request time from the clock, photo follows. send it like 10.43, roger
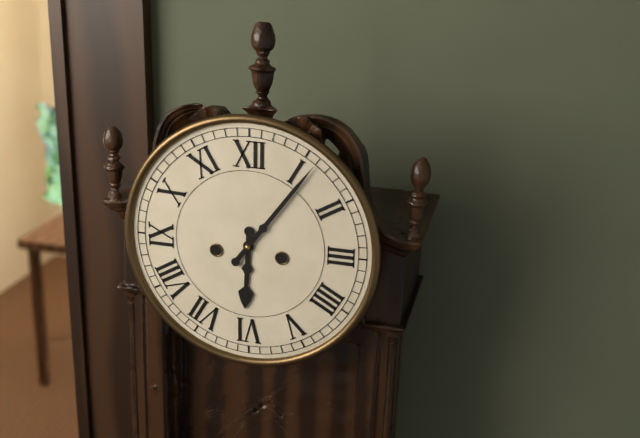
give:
6.06
